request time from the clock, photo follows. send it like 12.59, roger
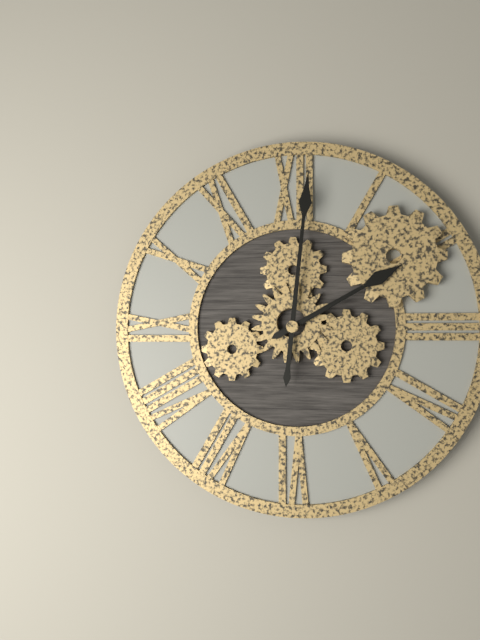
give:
2.01
